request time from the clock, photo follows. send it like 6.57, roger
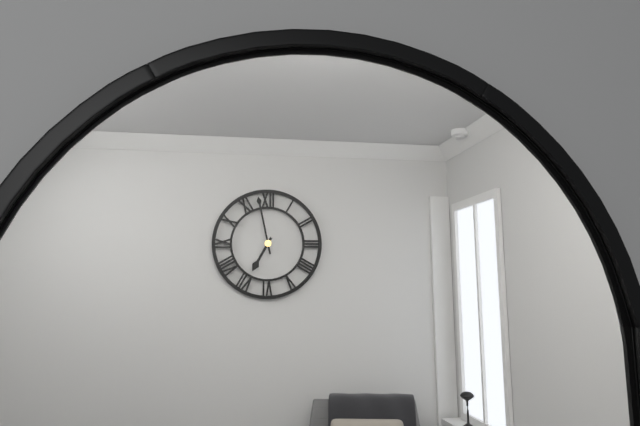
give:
6.58
